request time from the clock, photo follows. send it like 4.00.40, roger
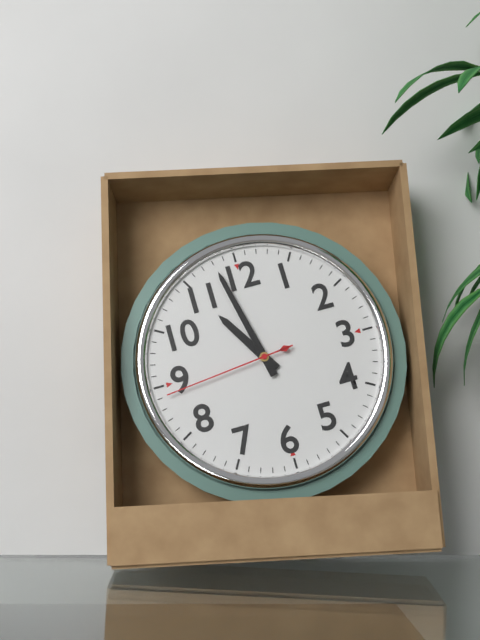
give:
10.58.44
